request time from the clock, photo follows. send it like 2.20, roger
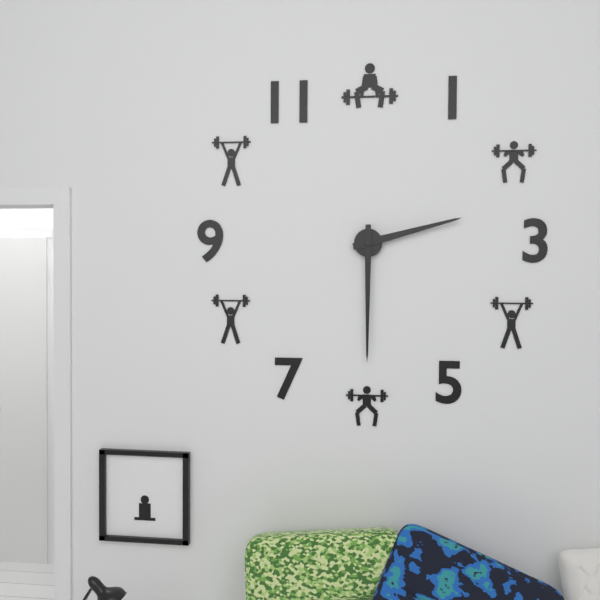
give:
2.30
